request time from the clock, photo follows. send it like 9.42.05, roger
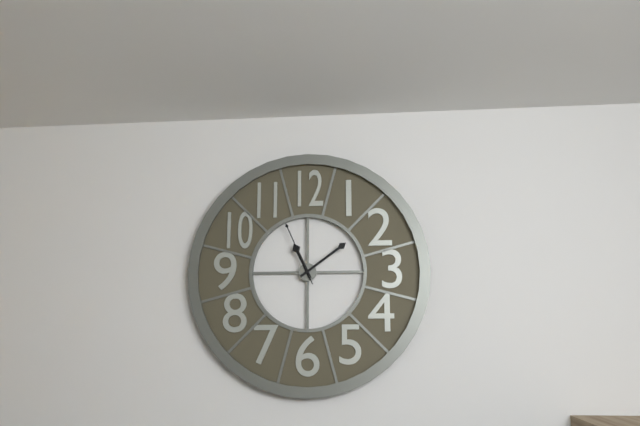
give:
11.09.56
